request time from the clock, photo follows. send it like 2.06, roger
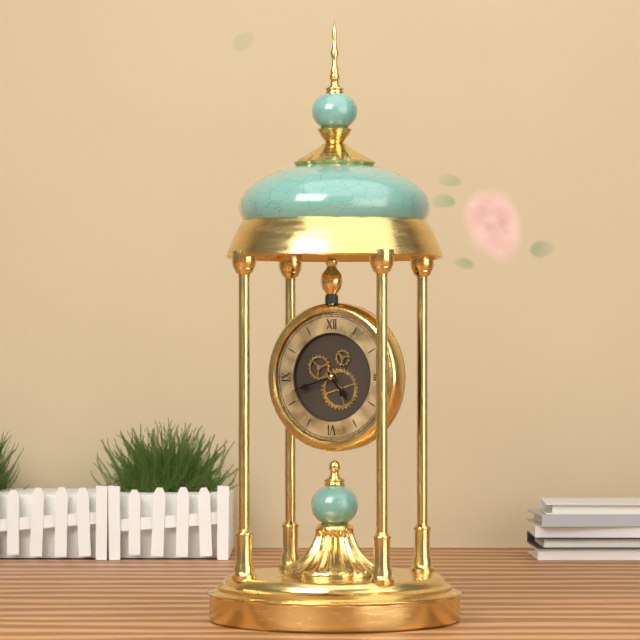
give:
4.42
